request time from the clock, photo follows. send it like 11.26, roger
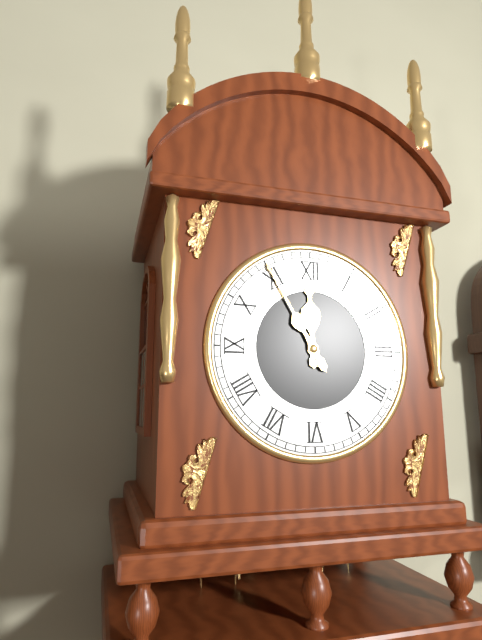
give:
11.55
